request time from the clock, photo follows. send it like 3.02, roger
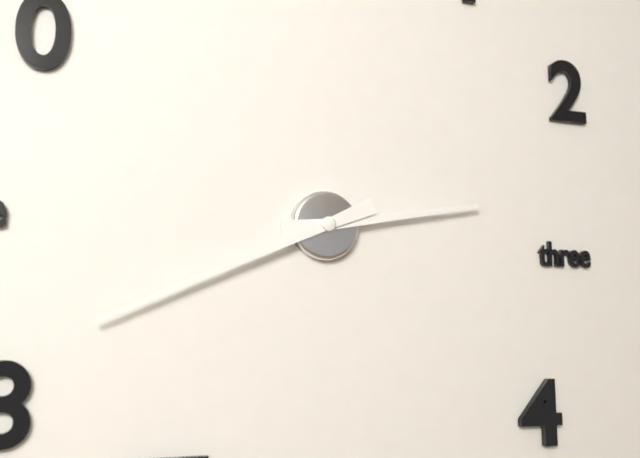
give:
2.41
